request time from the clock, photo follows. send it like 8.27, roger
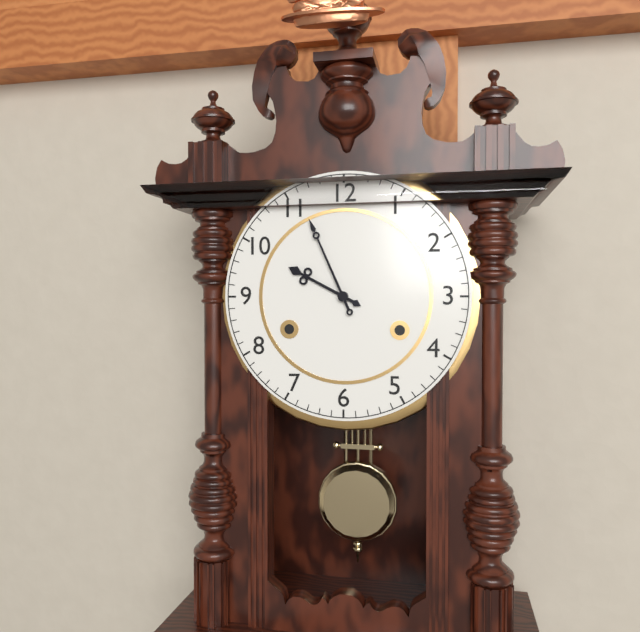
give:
9.56
